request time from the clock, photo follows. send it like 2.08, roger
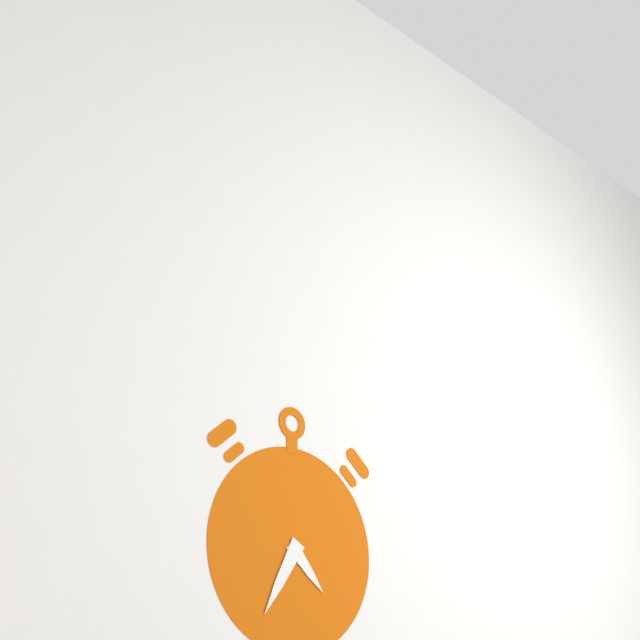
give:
4.35
